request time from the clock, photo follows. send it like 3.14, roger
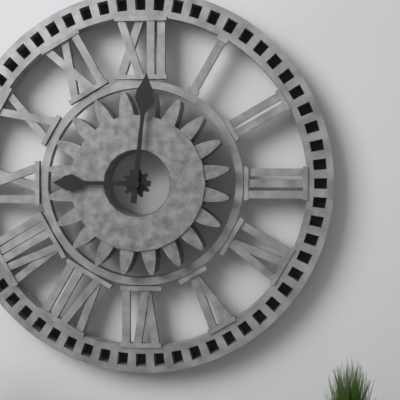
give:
9.01
